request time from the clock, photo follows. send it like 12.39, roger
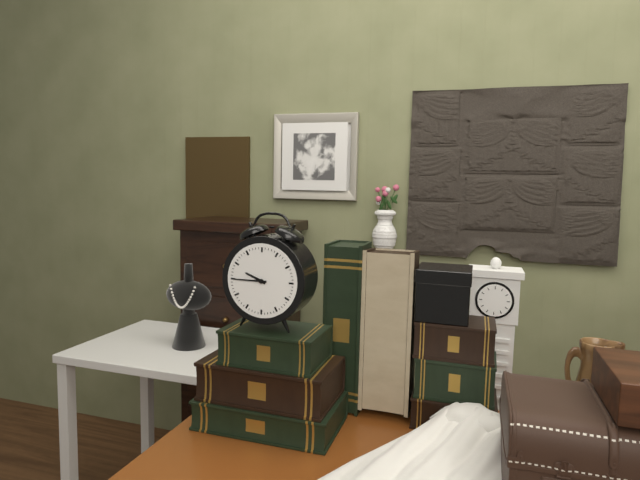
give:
9.45
